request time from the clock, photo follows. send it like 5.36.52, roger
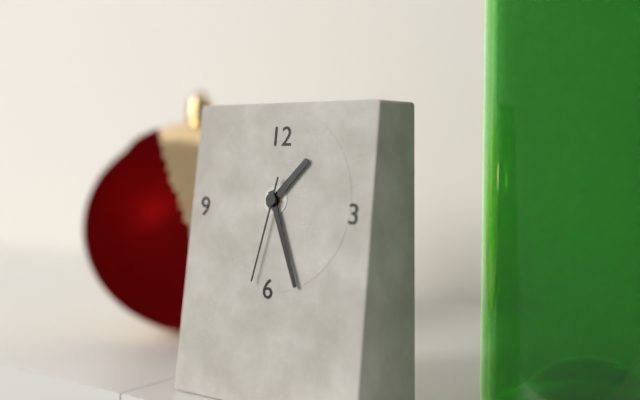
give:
1.26.32
